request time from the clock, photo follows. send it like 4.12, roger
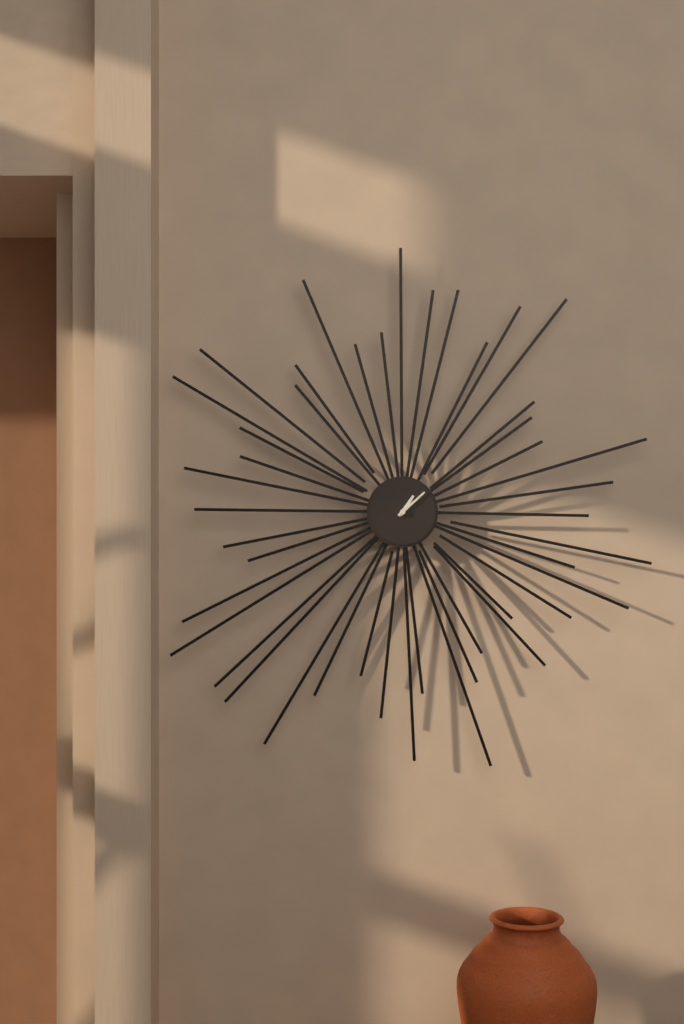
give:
1.08
